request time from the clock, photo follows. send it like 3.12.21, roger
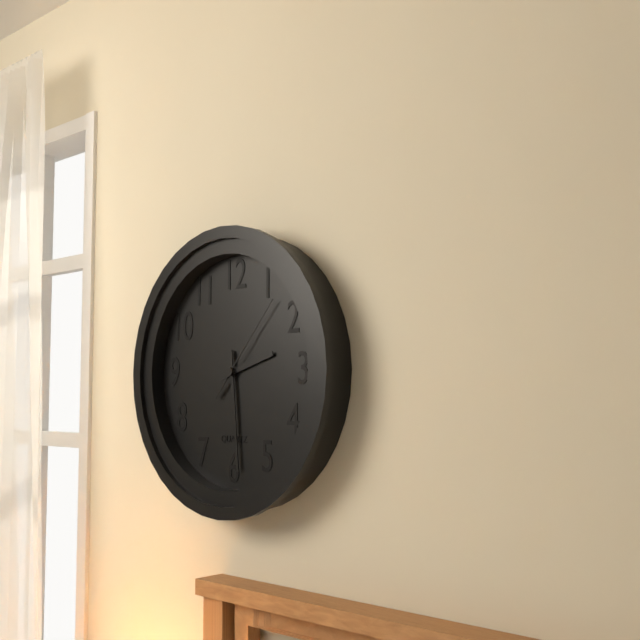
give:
2.29.07
